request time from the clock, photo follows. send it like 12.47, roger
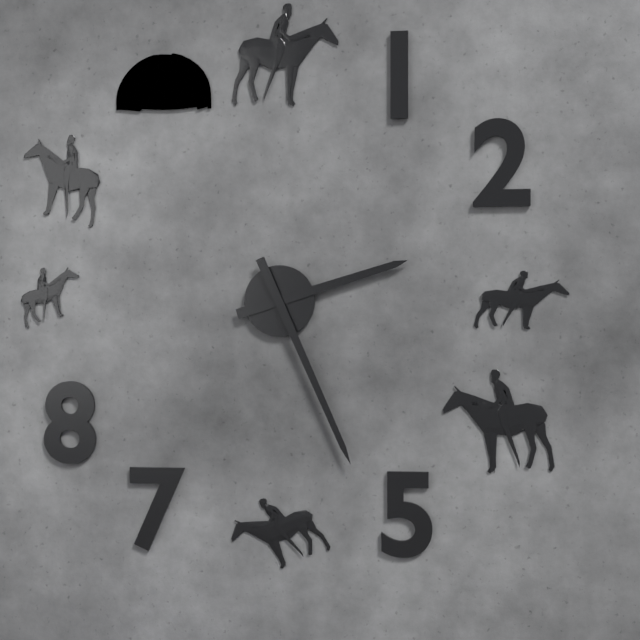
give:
2.26
